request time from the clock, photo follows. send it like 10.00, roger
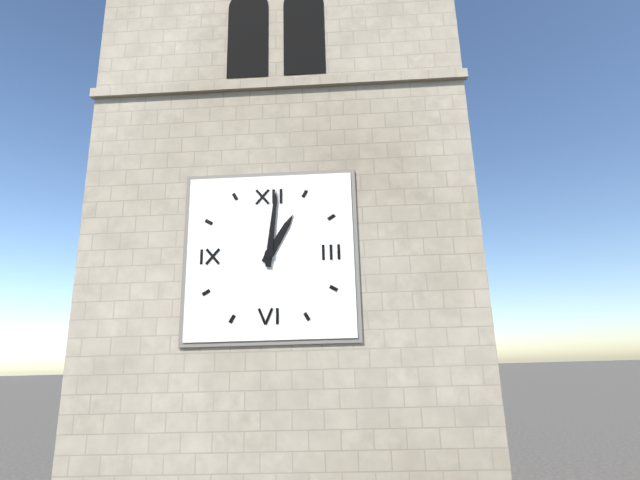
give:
1.01
